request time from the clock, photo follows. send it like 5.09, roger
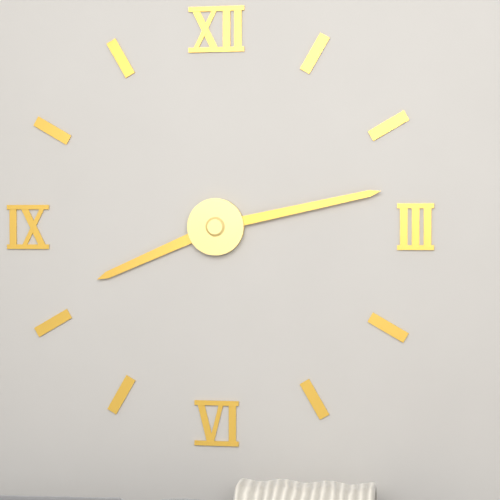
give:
8.13
